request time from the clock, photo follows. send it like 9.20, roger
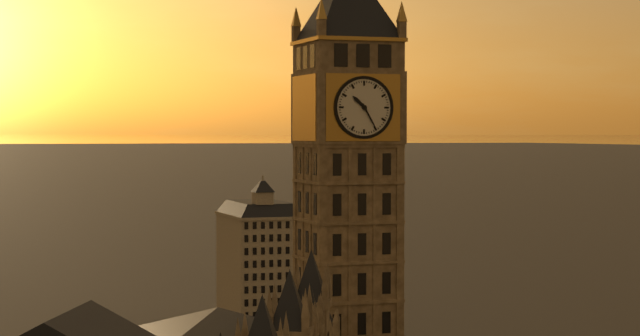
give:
10.25
